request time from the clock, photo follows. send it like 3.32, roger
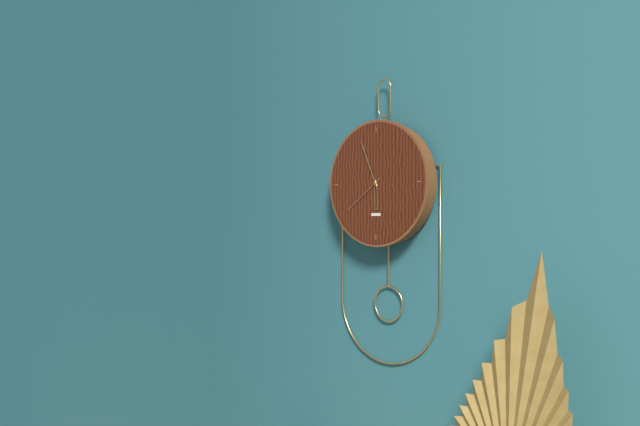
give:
5.56
